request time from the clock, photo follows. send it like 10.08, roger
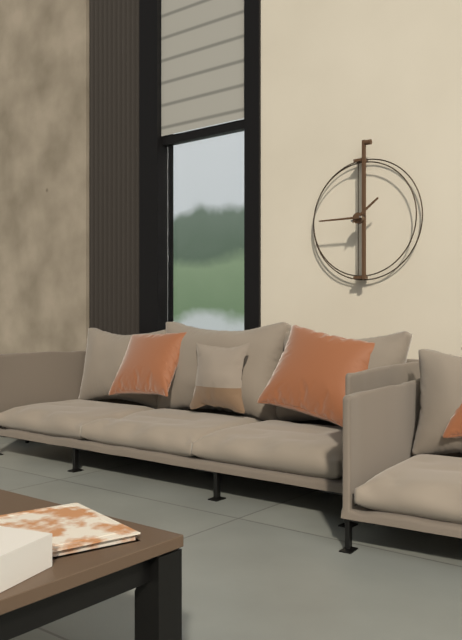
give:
1.45
